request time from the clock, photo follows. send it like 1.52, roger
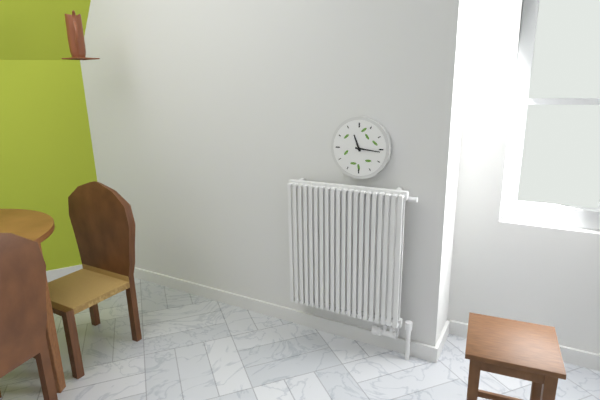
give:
11.16
